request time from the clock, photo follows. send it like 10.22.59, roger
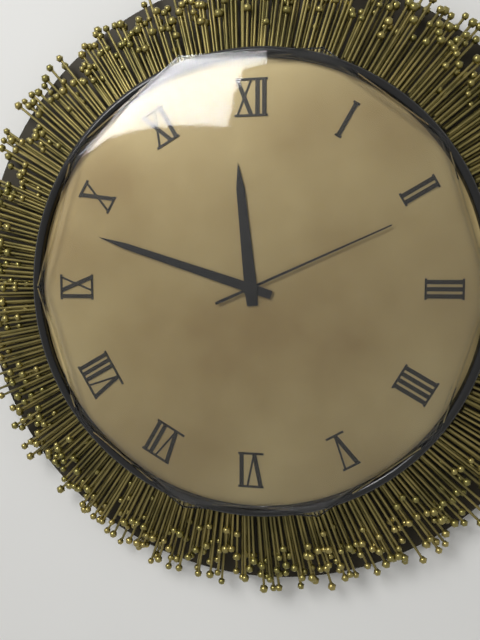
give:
11.48.11
